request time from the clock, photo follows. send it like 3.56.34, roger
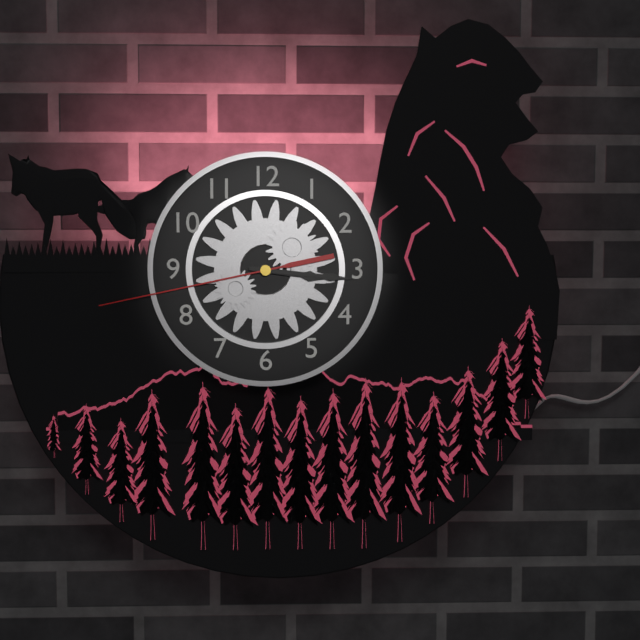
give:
3.16.43
